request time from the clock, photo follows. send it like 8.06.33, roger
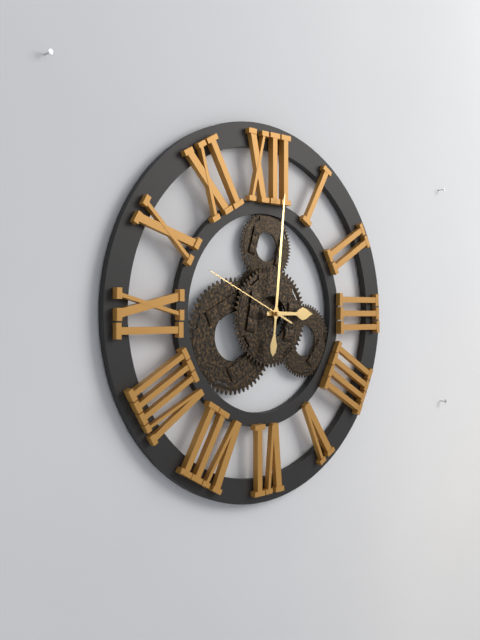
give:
3.01.49
